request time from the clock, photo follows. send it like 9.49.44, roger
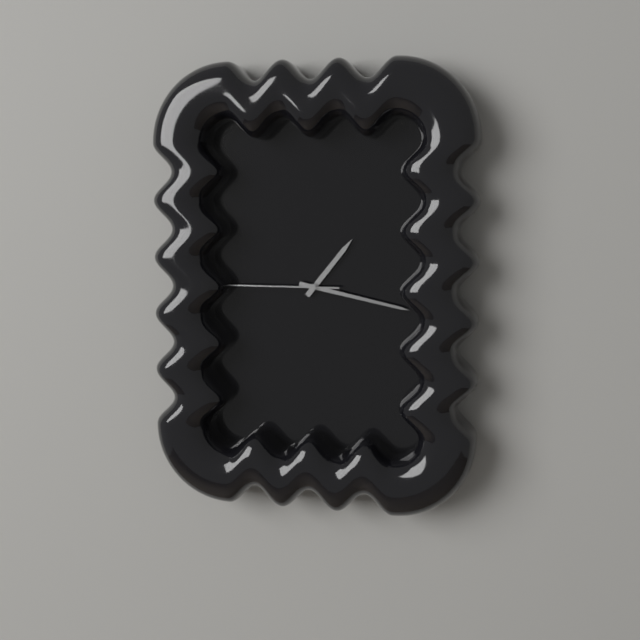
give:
1.17.45
